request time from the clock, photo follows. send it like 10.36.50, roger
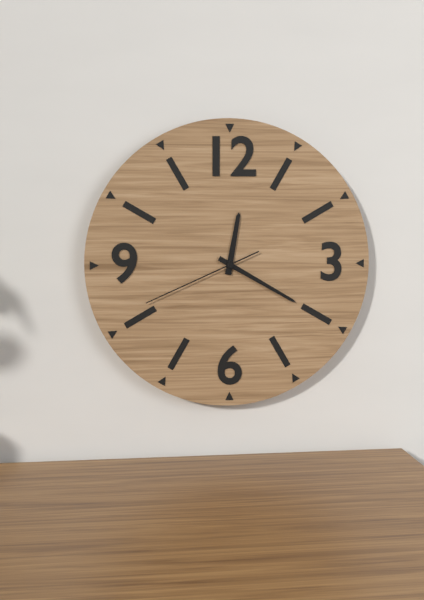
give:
12.20.41
